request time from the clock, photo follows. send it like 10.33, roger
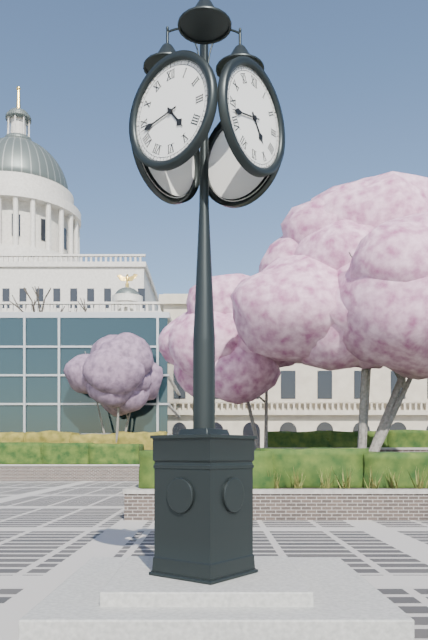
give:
4.43
